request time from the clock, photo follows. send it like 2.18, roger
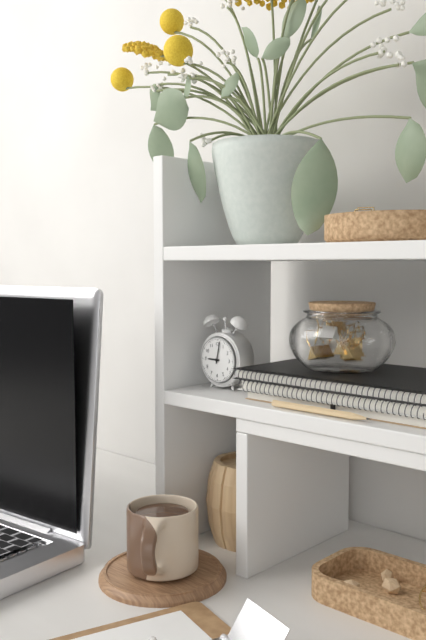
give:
9.02
